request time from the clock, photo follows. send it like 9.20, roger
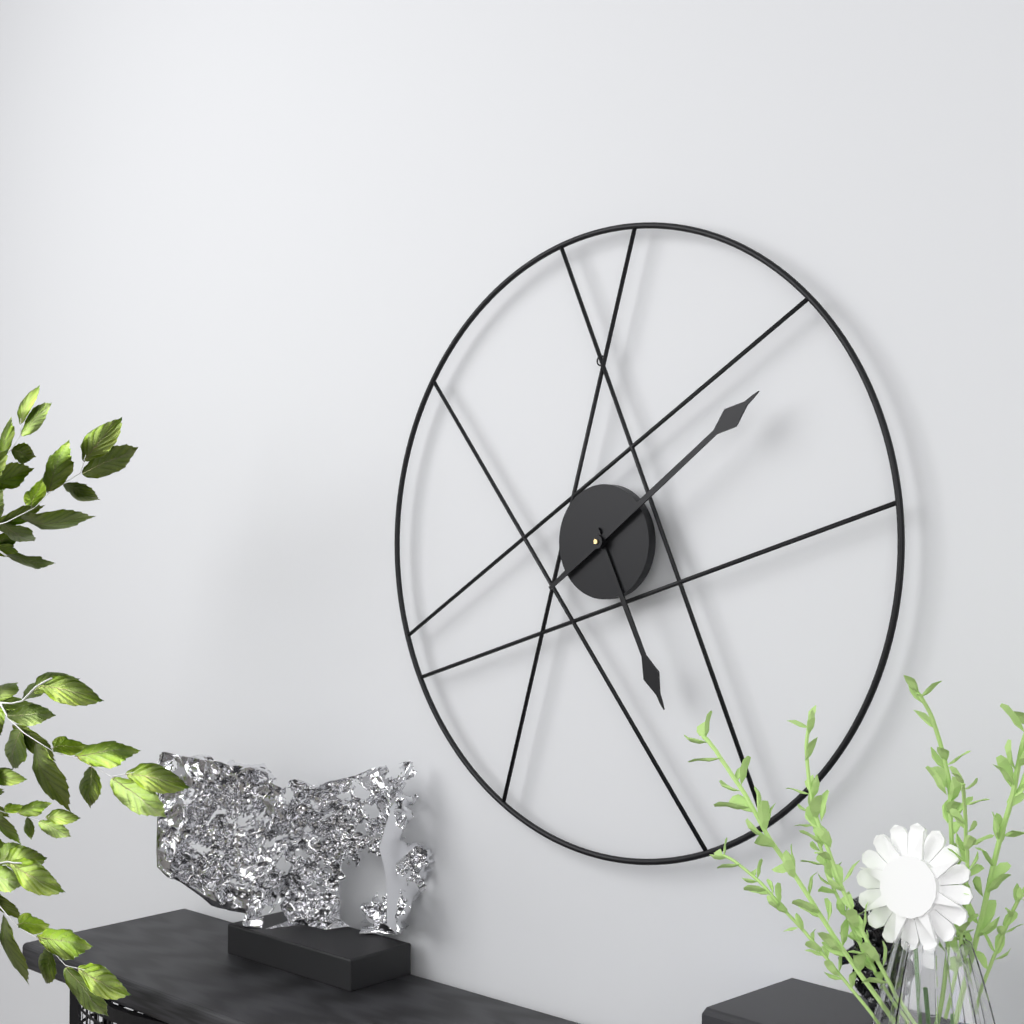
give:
5.09
